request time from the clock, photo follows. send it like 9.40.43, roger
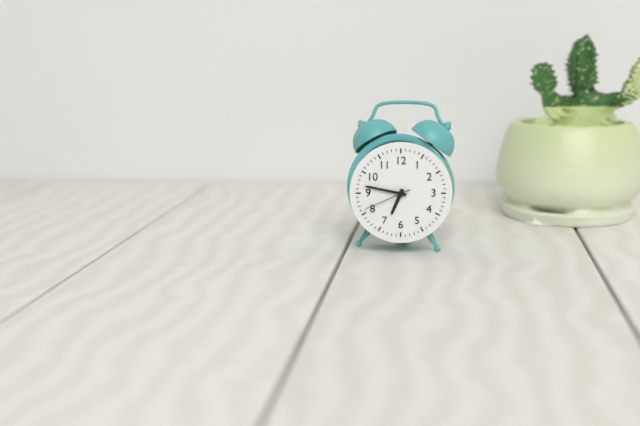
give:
6.47.41
